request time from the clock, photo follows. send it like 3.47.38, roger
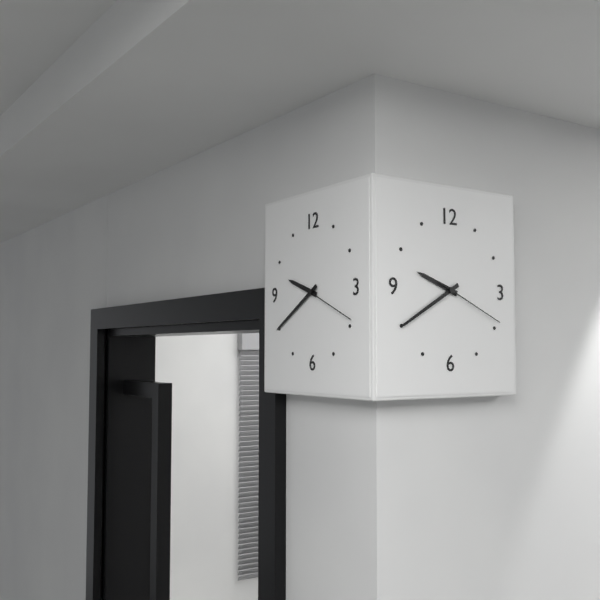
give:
9.40.19
